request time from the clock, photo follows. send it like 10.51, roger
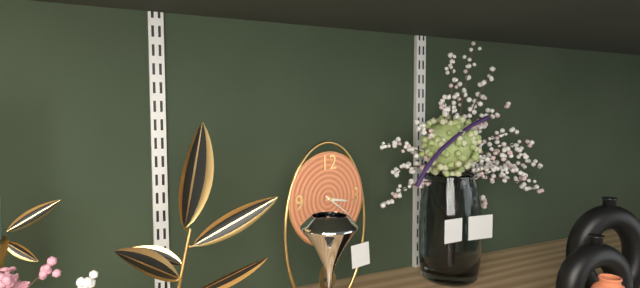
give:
3.21
